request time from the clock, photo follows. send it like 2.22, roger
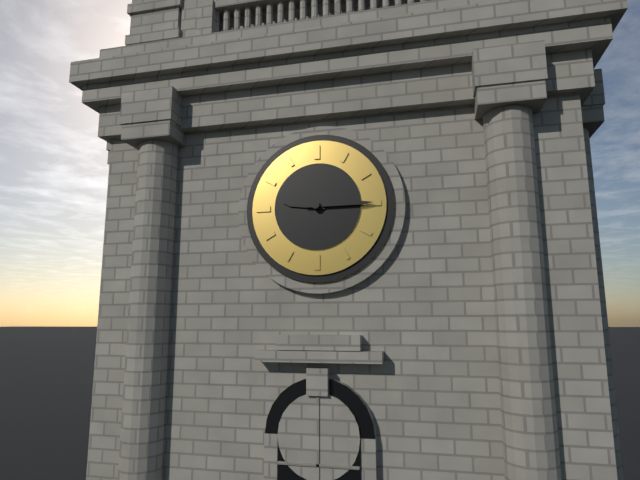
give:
9.15
